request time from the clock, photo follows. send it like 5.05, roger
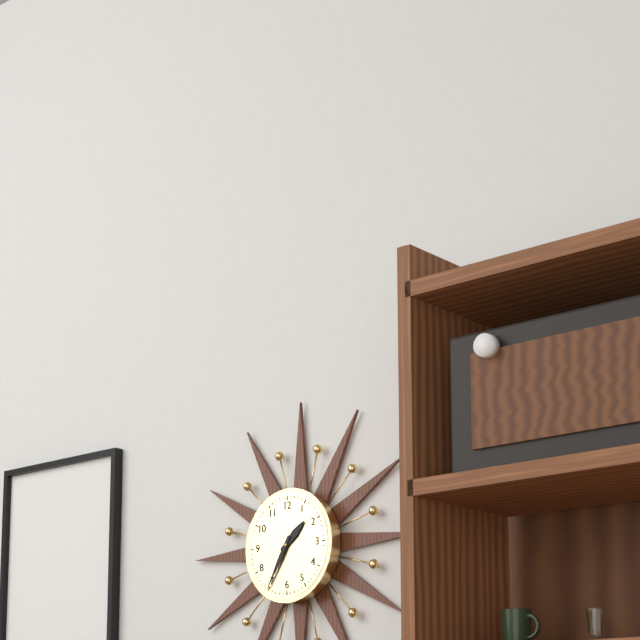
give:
1.35
